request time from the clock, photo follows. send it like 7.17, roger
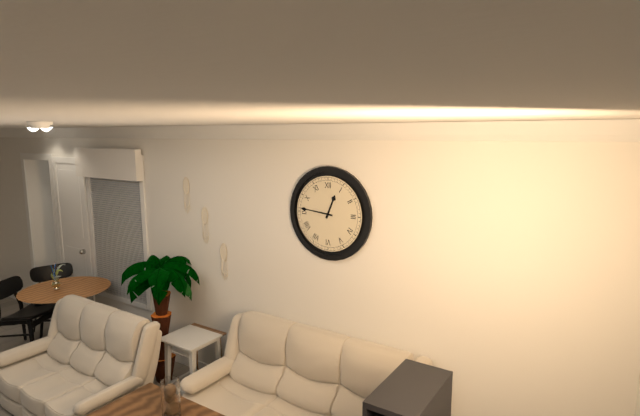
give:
12.46
